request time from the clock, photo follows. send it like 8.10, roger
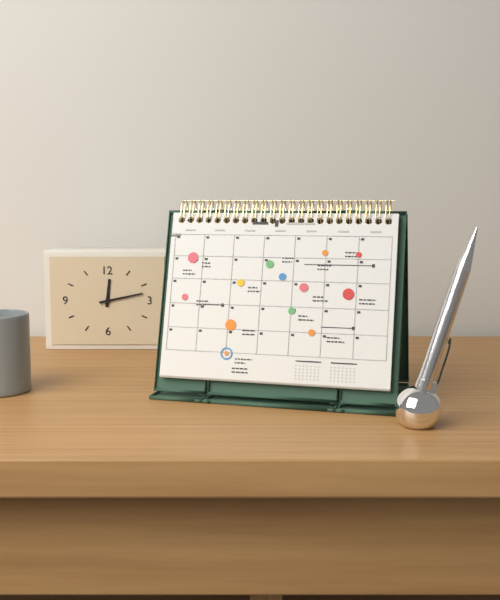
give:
12.13
